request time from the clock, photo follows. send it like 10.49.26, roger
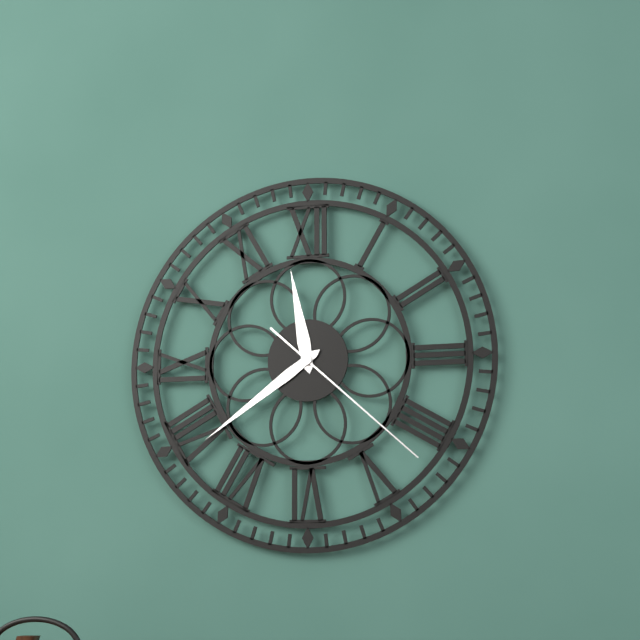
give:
11.39.22
